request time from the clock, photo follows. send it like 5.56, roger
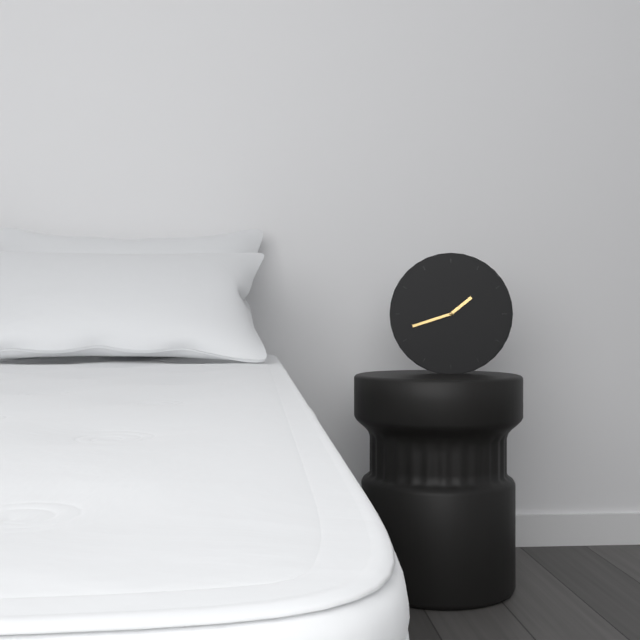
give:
1.42
